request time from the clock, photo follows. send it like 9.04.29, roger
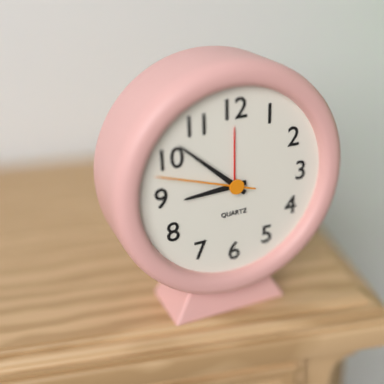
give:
8.52.48
